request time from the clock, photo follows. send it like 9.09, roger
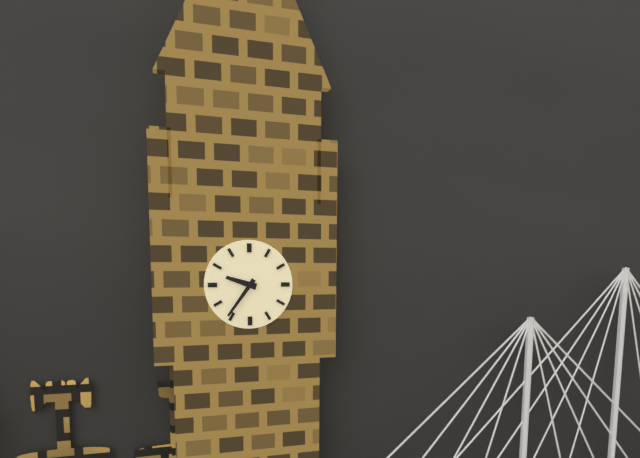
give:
9.36
